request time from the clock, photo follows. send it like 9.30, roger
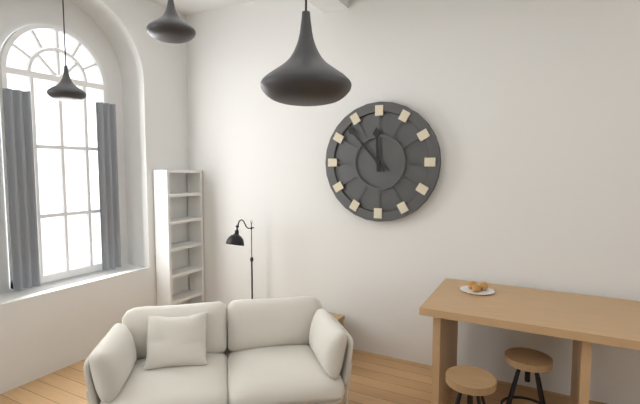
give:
11.53
